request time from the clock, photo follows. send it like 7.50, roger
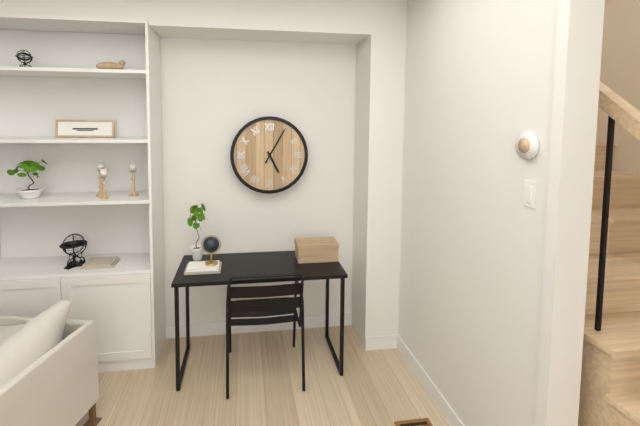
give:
5.05
